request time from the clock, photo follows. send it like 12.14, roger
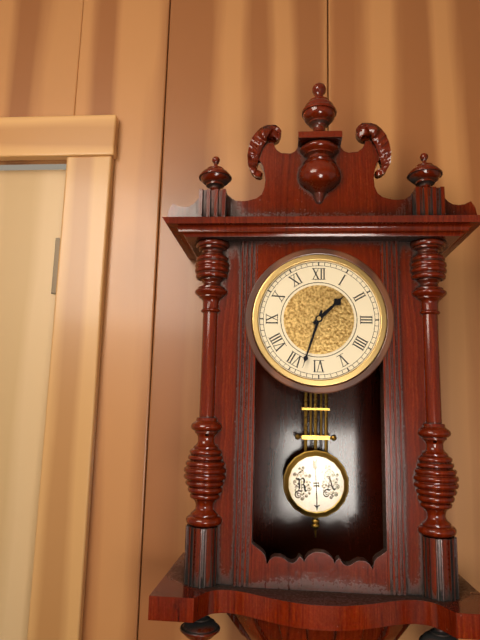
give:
1.33
